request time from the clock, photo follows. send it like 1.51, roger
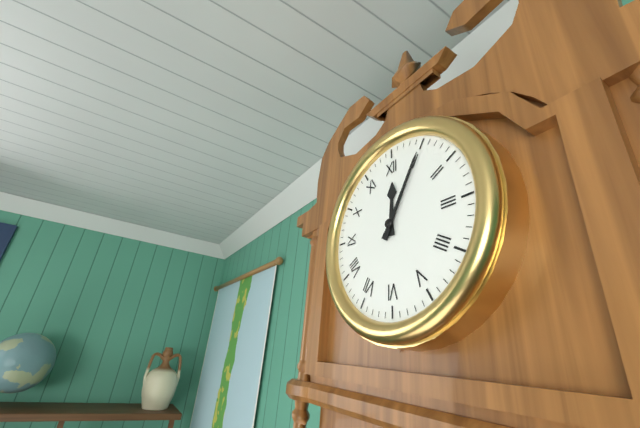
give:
12.05
